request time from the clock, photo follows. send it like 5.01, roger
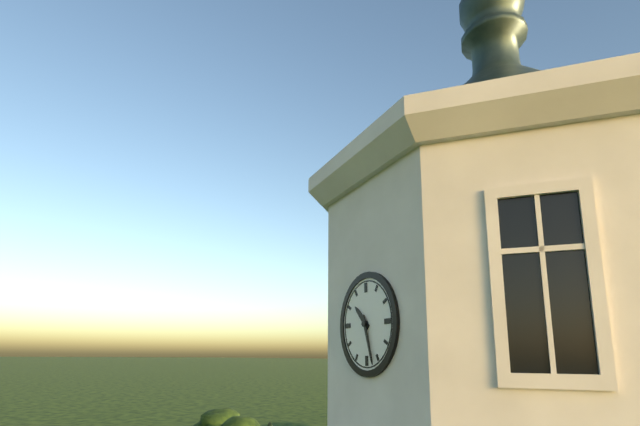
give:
10.27
